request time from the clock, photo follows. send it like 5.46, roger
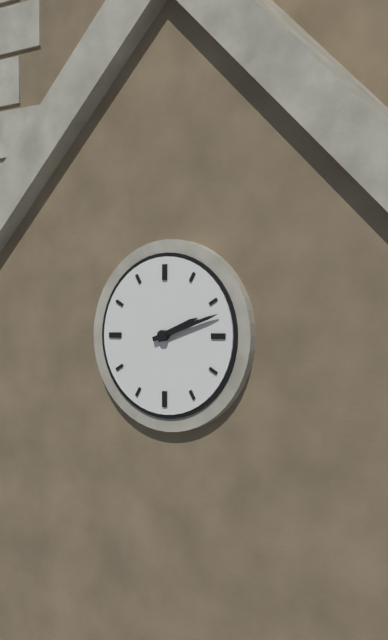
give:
2.12
